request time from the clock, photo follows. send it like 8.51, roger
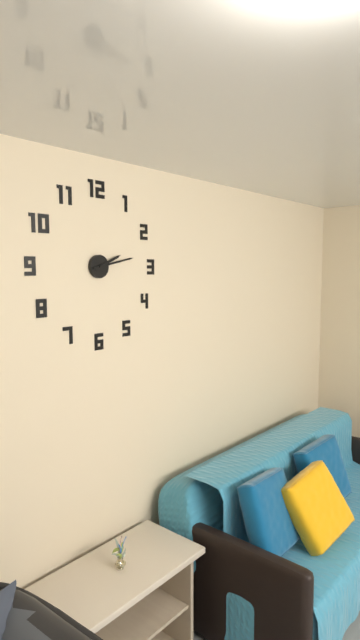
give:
2.13
